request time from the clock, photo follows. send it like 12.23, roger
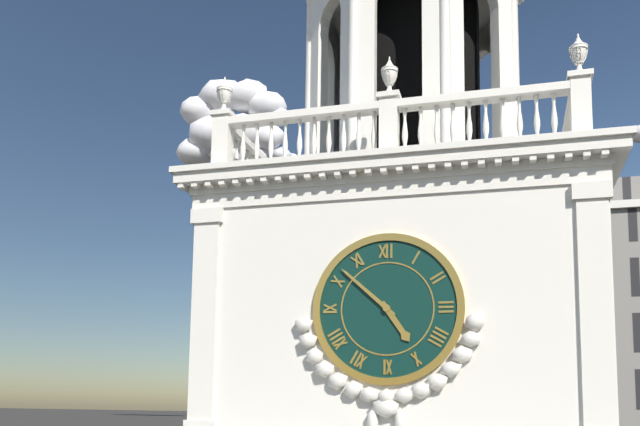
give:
4.52
